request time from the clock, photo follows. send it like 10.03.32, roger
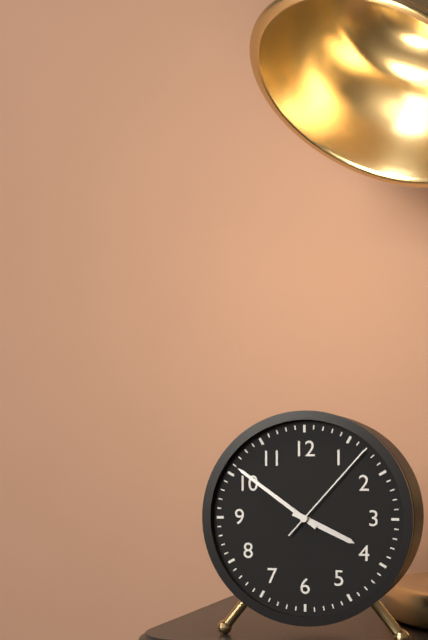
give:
3.51.07
